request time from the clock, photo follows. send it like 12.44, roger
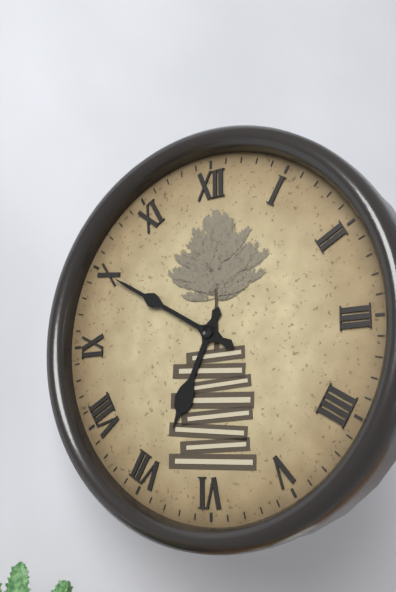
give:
6.50
